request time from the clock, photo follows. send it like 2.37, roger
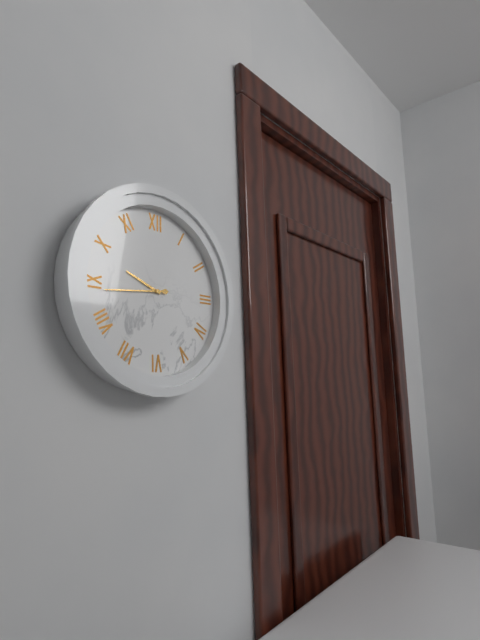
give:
9.44
